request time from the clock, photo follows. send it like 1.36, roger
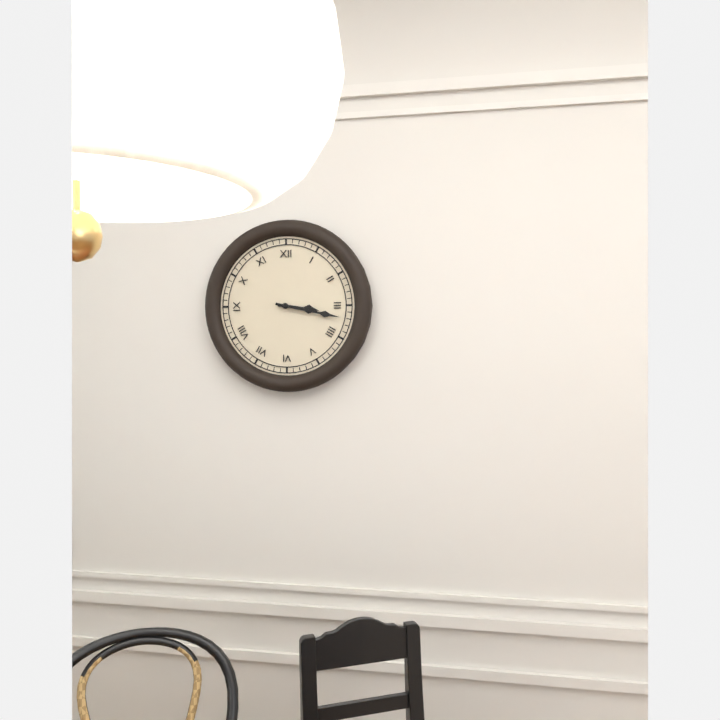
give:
3.17
